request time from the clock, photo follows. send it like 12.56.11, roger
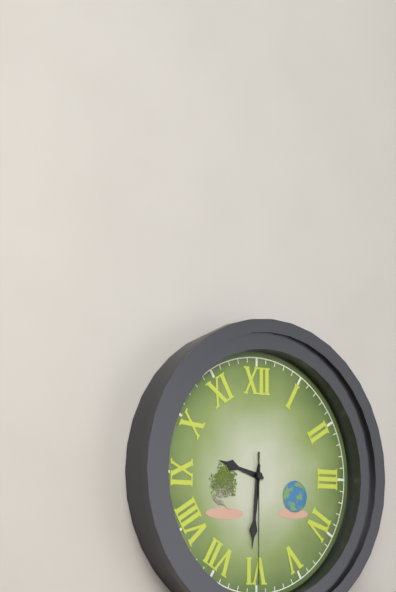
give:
9.31.30
